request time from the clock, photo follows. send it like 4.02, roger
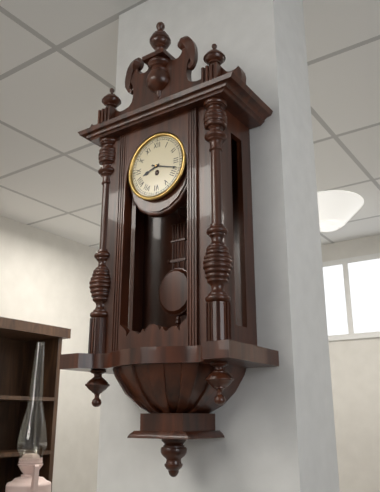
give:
8.18
